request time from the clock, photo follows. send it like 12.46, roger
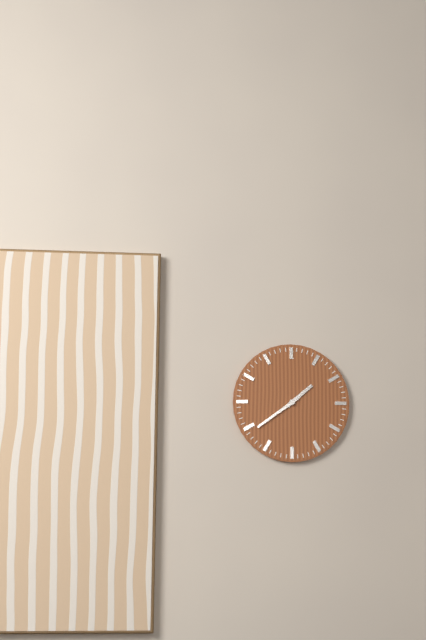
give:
1.39
